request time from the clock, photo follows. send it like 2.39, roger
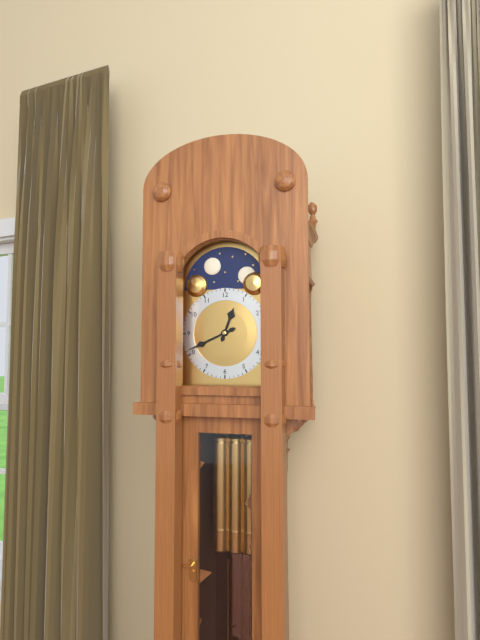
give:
12.41
